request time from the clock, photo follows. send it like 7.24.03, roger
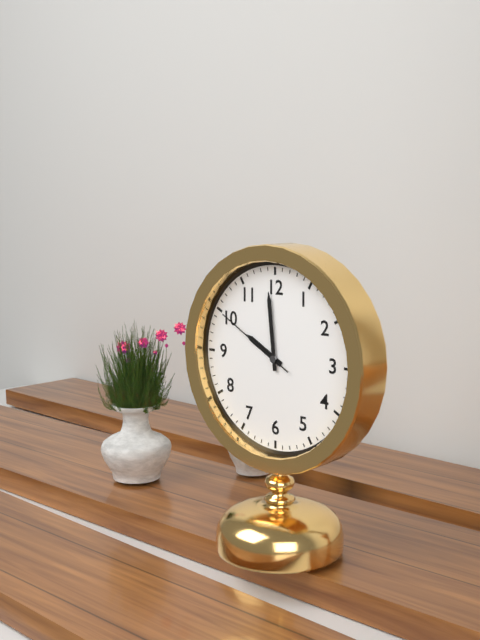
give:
9.59.50
